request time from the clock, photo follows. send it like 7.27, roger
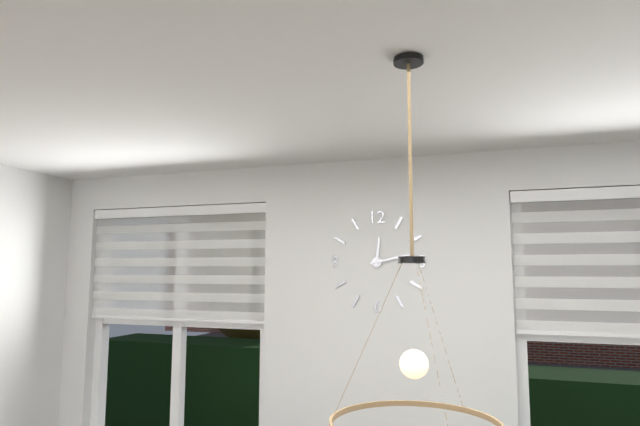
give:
12.13
